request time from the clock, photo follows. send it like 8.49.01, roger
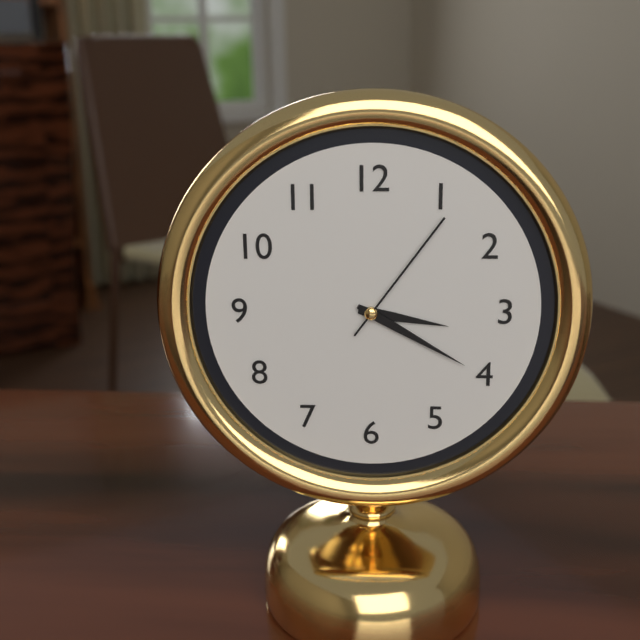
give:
3.20.06
